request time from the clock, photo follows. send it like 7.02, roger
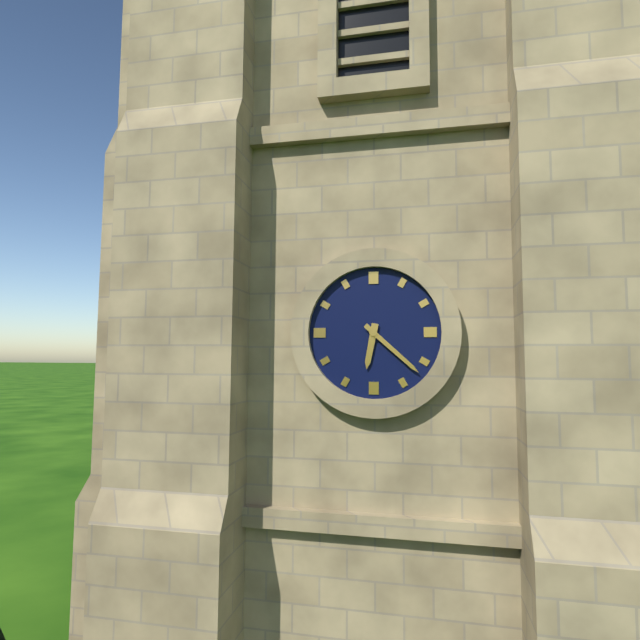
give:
6.22
